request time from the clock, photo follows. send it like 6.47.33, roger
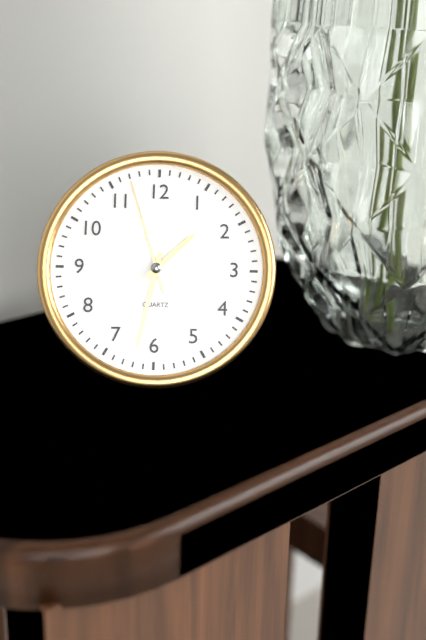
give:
1.32.57
